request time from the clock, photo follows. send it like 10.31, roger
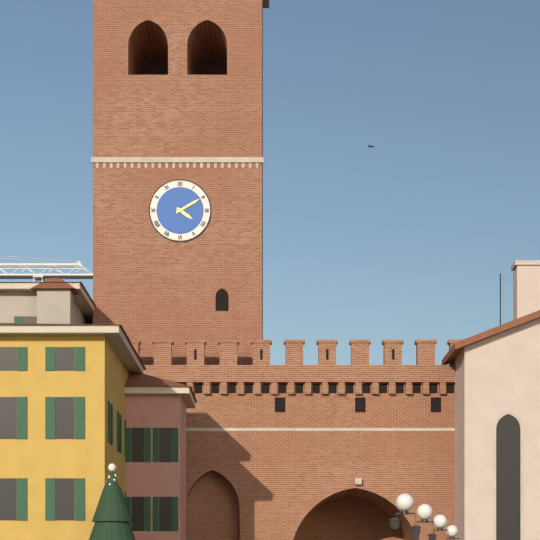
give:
4.10
